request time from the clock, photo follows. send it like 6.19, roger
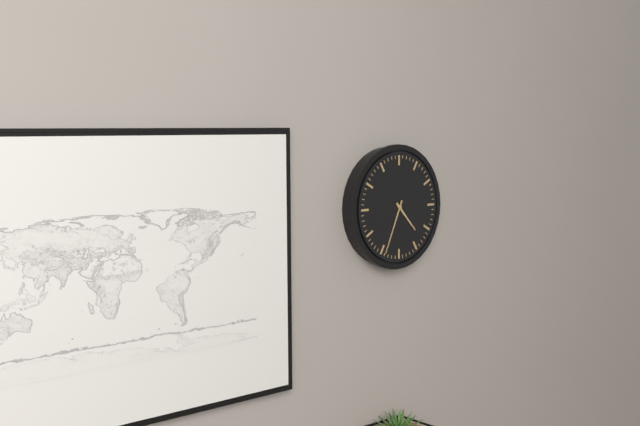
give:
4.34
